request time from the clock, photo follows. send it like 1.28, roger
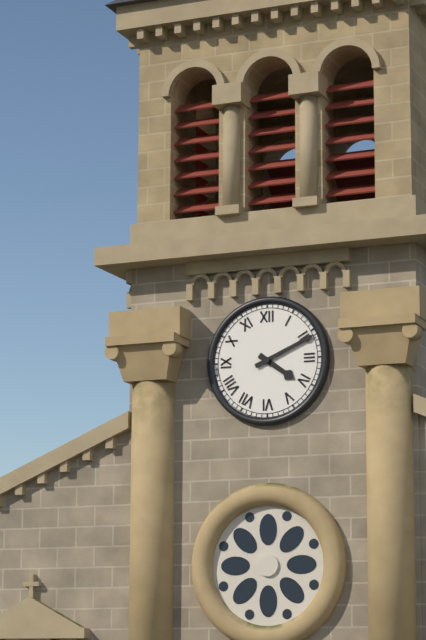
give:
4.11
